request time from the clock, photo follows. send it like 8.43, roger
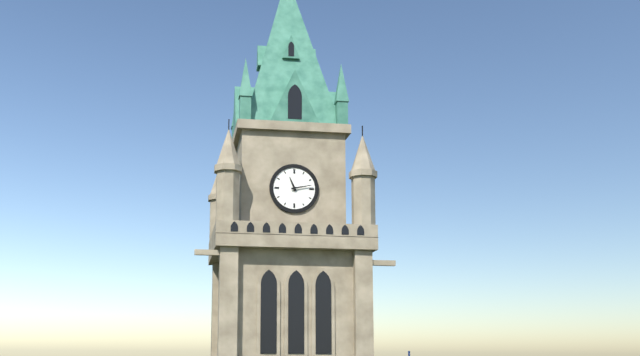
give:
11.13
